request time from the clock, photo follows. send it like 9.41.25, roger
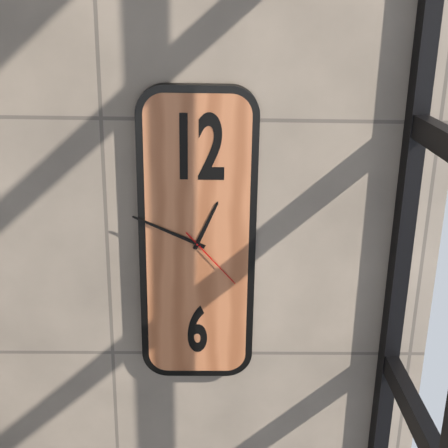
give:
12.49.23
